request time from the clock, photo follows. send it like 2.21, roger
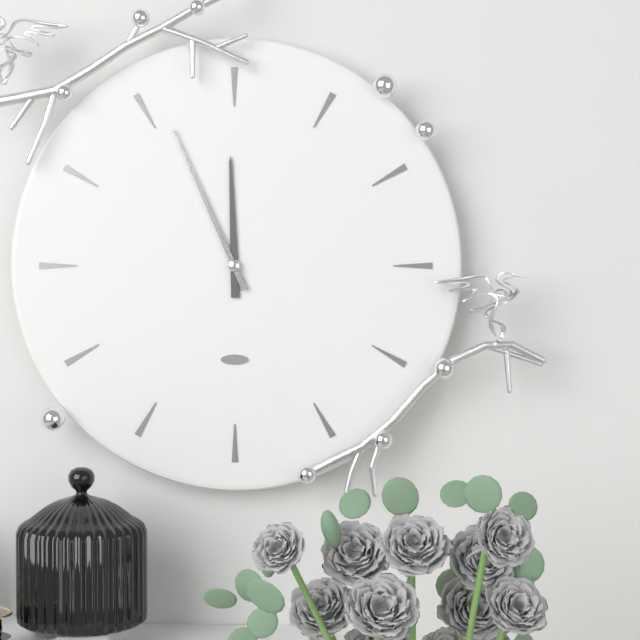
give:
11.56
